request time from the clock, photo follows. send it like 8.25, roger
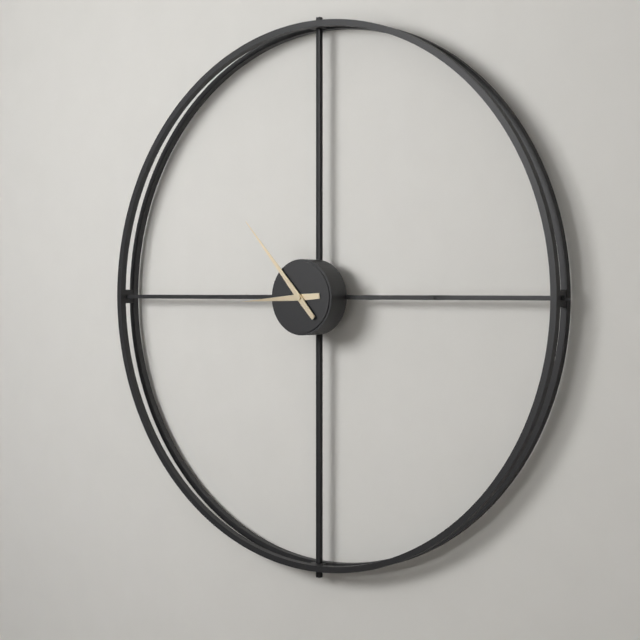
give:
8.53
